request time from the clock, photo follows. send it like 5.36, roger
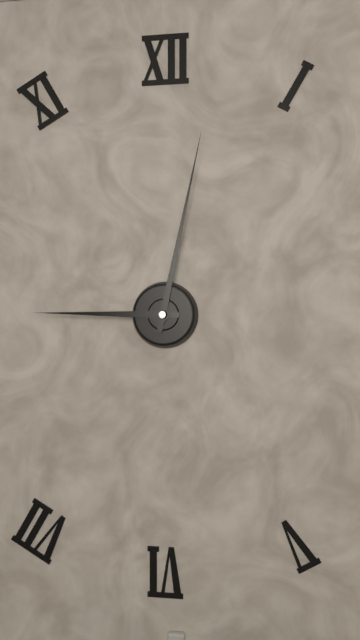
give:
9.02
